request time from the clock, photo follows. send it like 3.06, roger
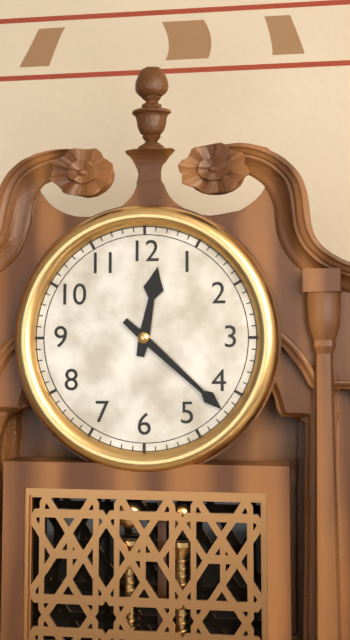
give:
12.22
